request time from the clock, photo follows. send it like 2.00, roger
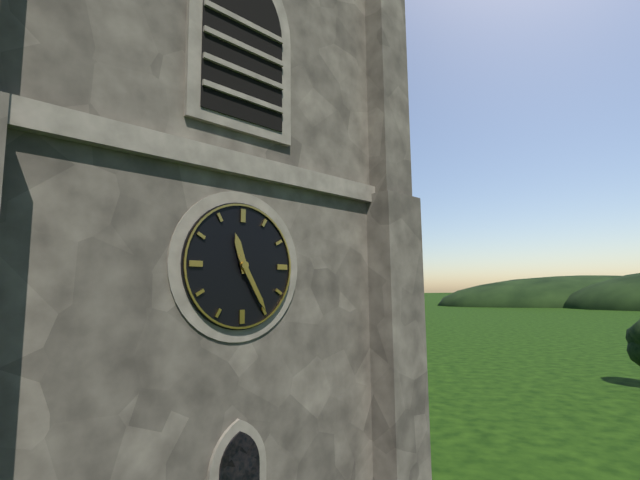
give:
11.25
